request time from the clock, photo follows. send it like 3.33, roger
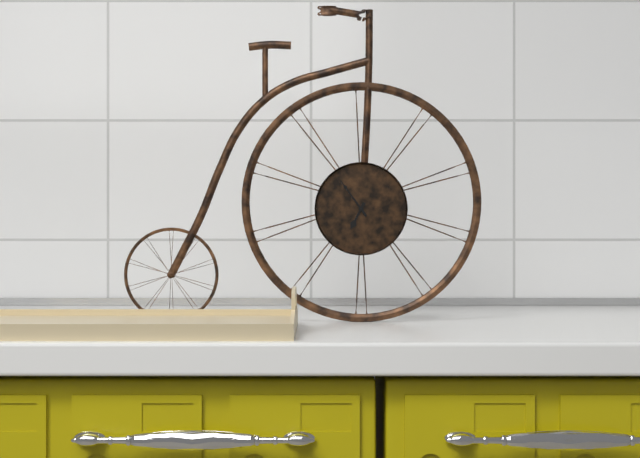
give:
6.54
